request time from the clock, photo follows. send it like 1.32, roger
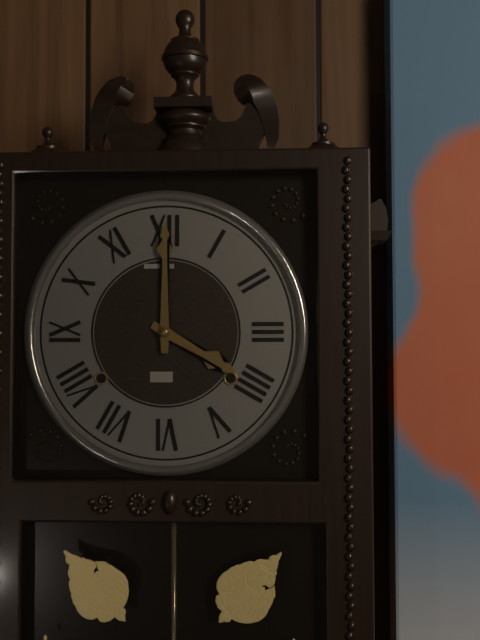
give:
4.00
